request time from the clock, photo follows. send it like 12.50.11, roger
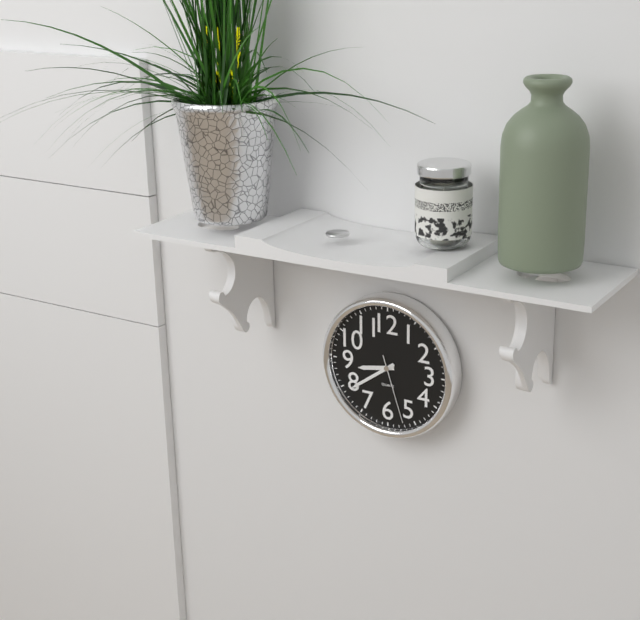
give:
8.39.27
